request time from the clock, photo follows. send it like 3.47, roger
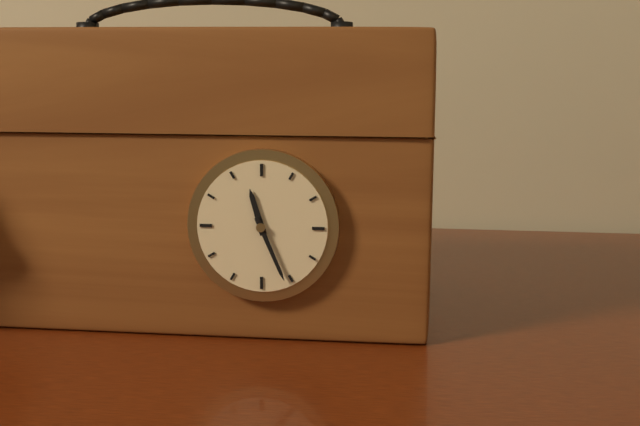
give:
11.26
